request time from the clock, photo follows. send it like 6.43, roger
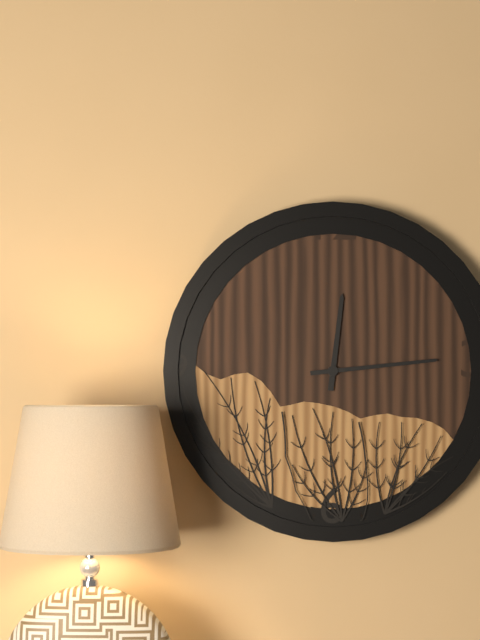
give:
12.14
